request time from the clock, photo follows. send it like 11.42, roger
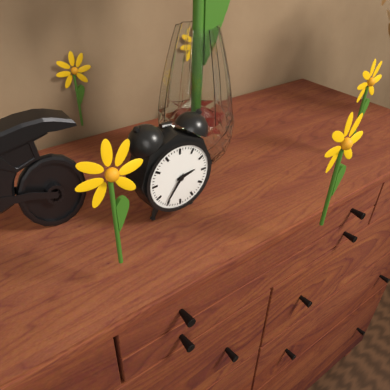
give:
2.36
